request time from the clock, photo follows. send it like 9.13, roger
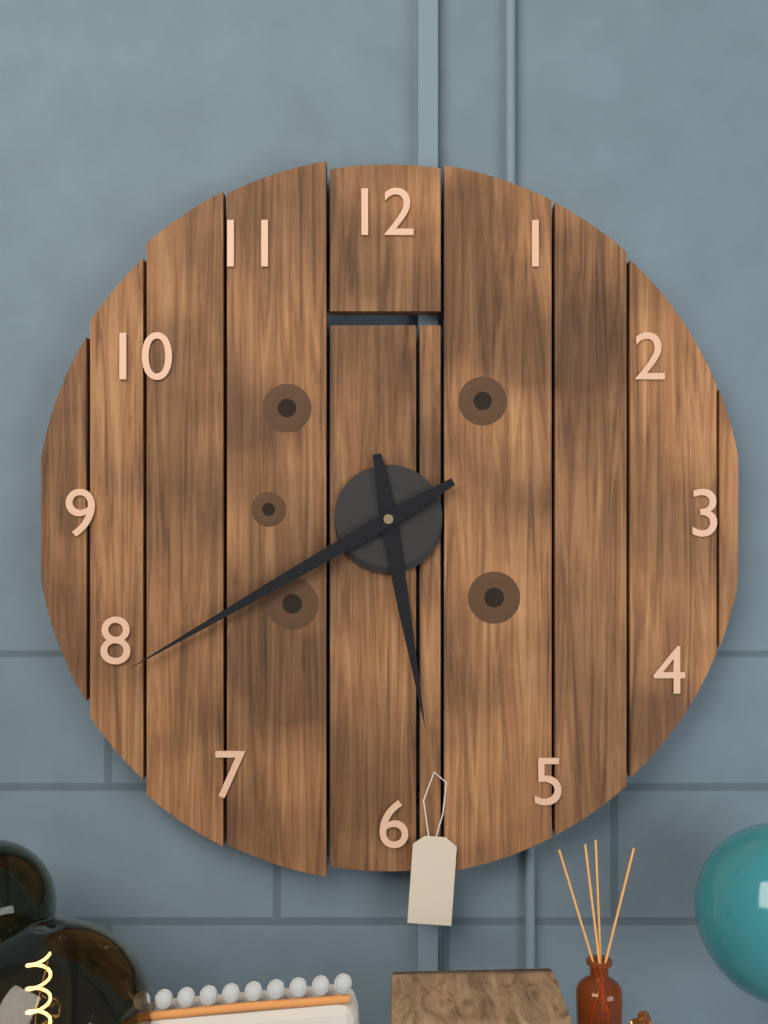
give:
5.40
